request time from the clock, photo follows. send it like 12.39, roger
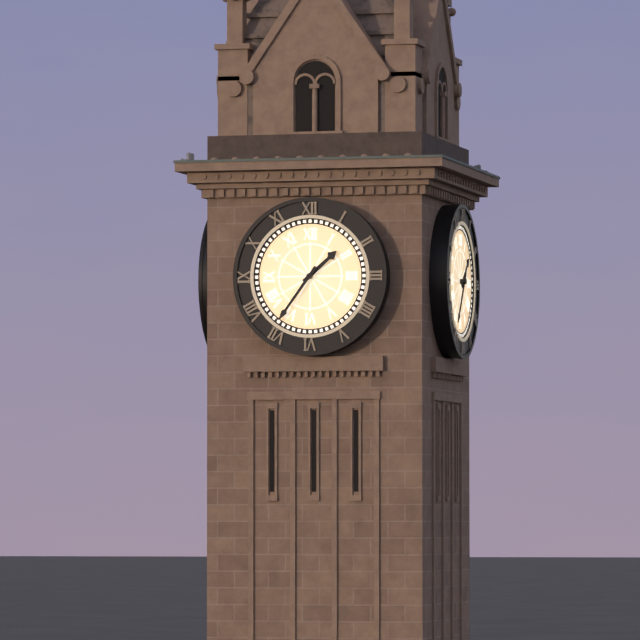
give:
1.36
